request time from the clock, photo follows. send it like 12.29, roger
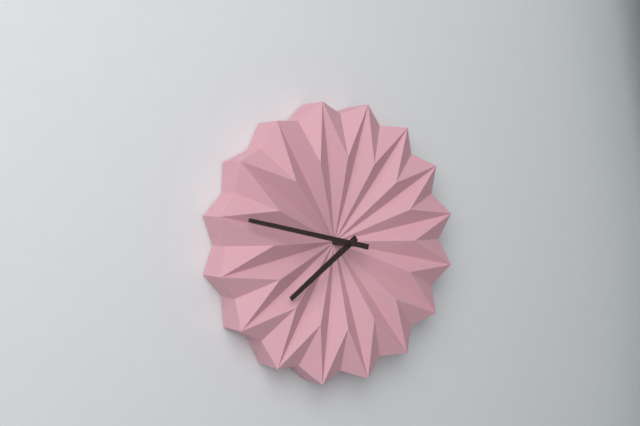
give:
7.47
